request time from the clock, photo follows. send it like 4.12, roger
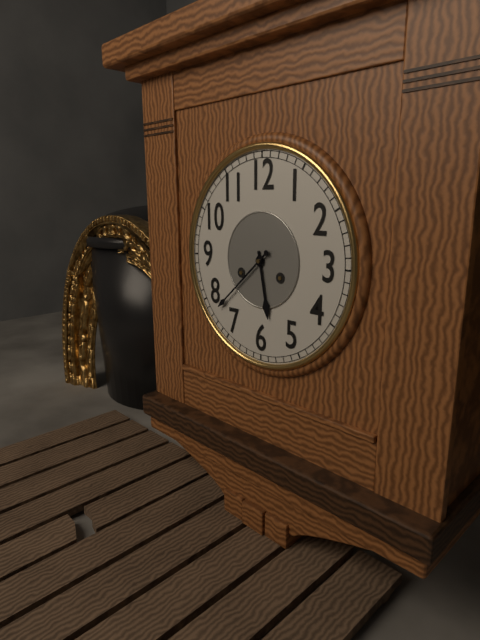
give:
5.38
